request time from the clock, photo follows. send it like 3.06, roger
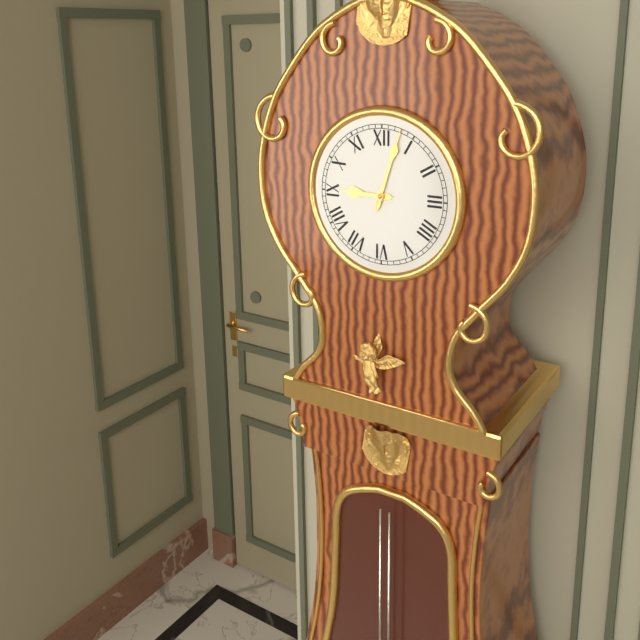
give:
9.03
